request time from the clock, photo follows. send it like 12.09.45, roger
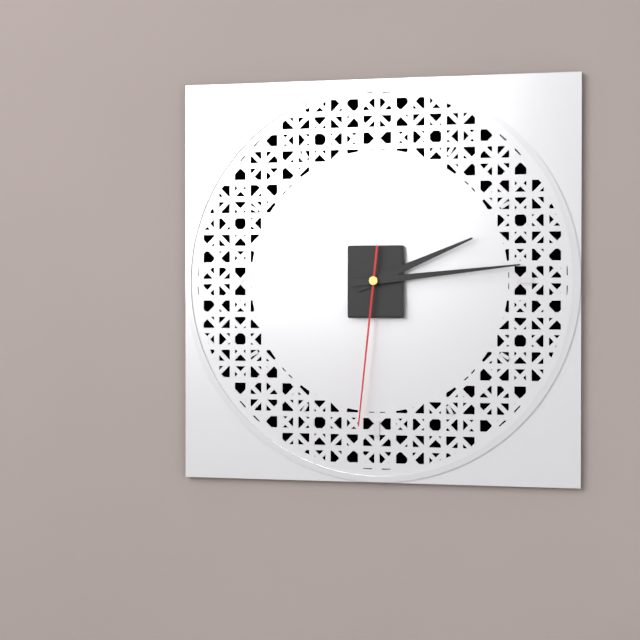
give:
2.14.31
